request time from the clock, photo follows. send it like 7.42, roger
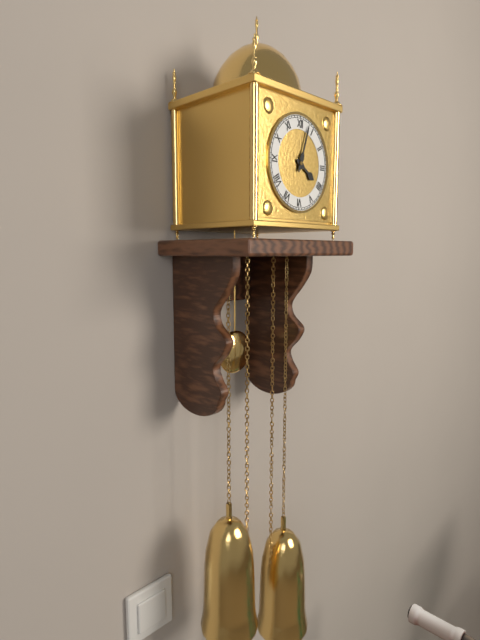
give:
4.03
